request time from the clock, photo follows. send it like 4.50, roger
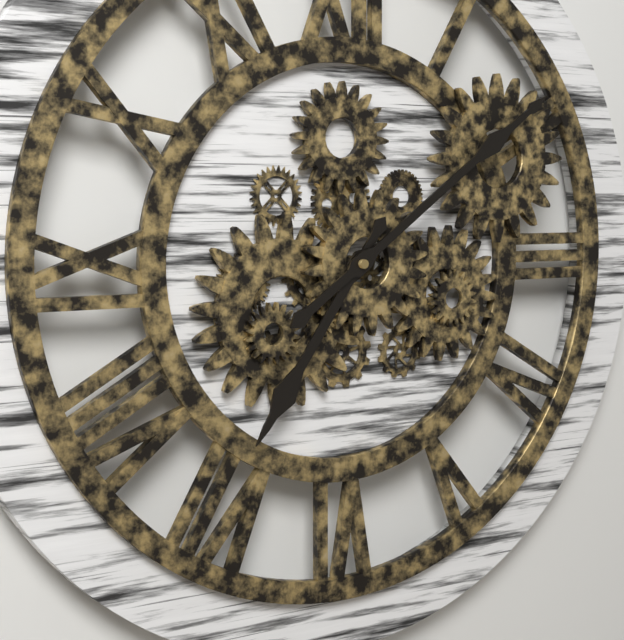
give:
7.09
